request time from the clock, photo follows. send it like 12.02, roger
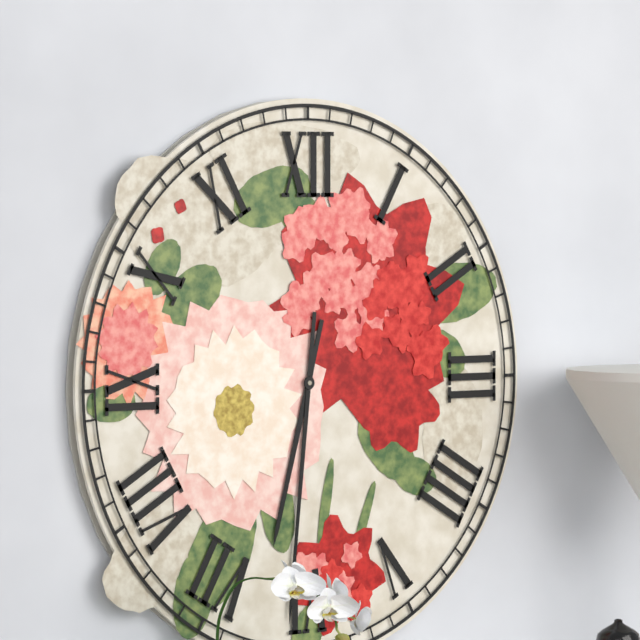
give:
6.31
